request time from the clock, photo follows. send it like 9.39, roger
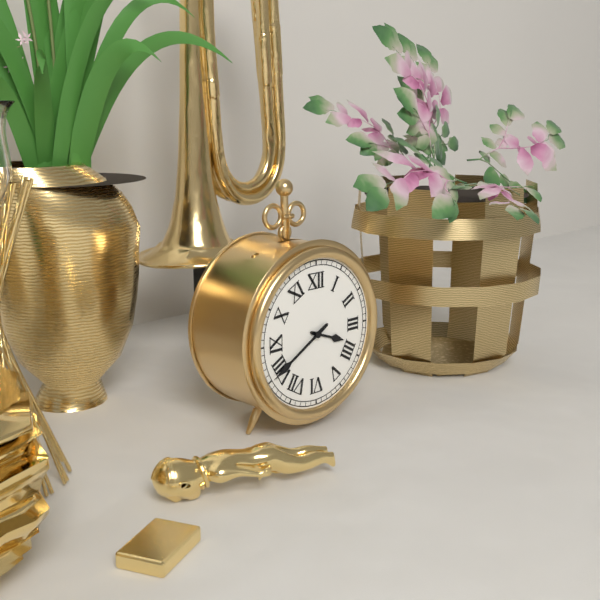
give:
3.40
